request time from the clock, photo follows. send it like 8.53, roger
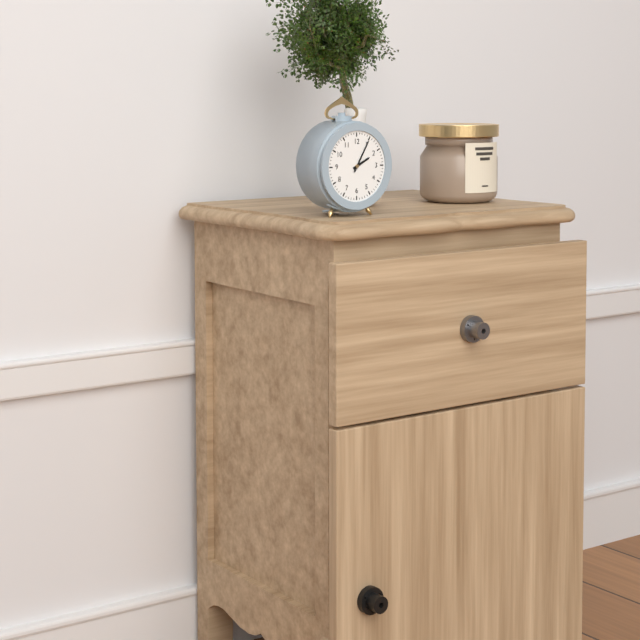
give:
2.05
